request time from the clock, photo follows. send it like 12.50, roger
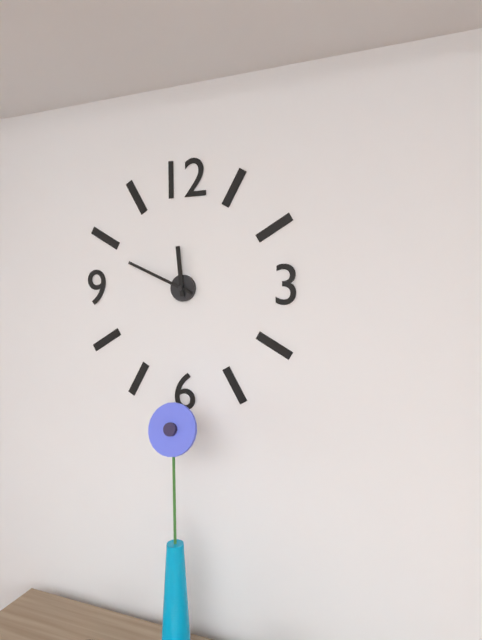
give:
11.49
